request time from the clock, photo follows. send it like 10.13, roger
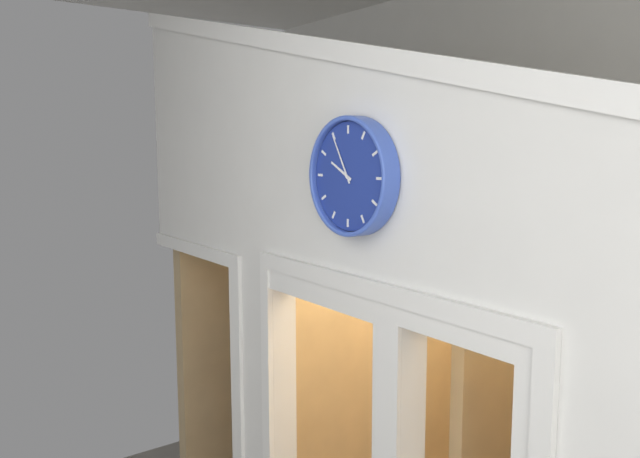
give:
9.55
